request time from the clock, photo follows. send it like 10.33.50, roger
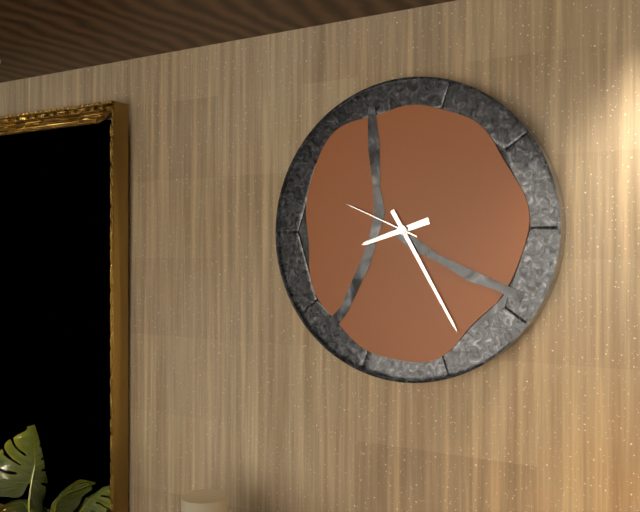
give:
8.25.49
